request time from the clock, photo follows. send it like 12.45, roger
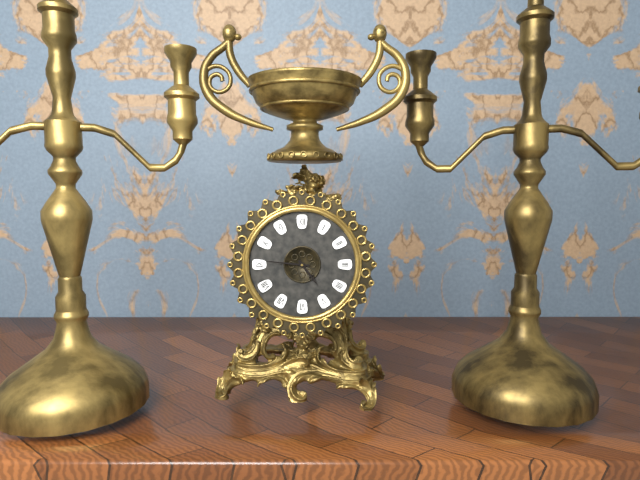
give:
4.46
